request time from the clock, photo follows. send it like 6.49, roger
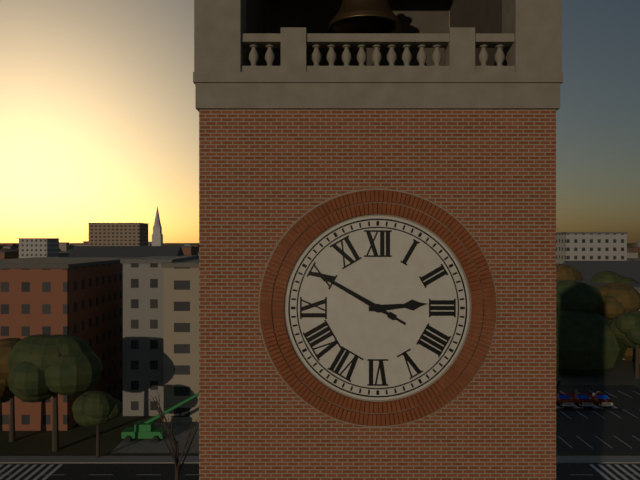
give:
2.50
